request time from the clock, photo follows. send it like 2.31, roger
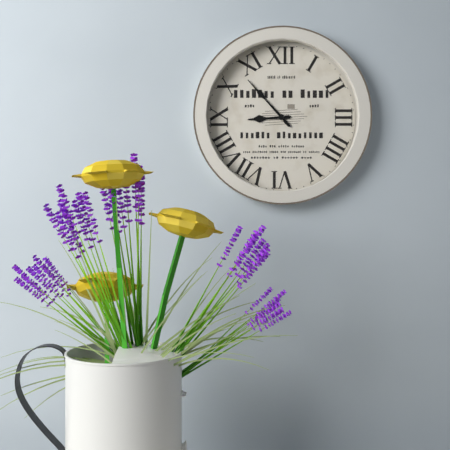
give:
8.53
